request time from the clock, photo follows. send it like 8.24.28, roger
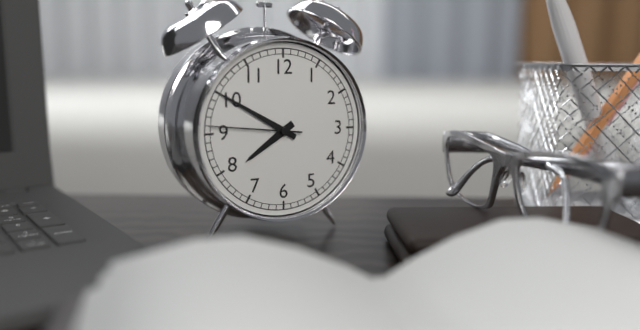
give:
7.50.46
